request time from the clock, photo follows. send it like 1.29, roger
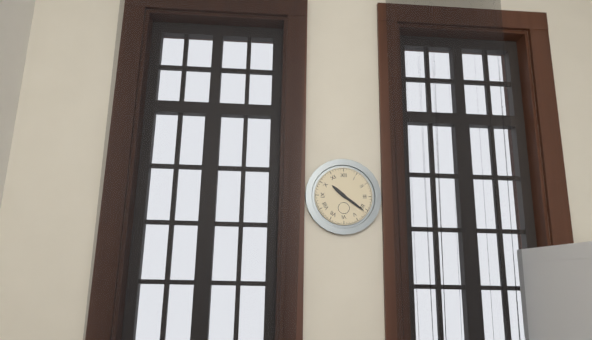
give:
10.21
